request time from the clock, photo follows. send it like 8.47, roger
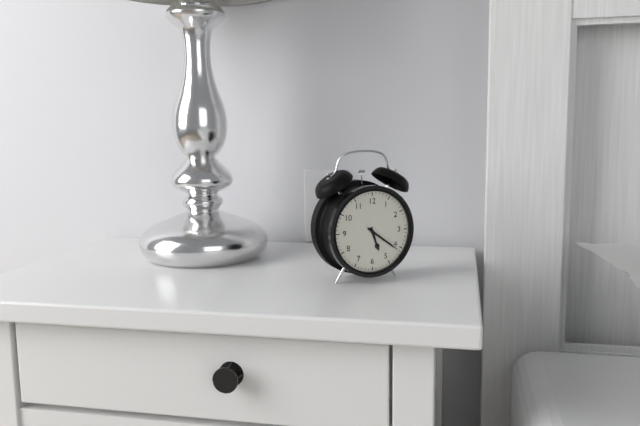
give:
5.21
